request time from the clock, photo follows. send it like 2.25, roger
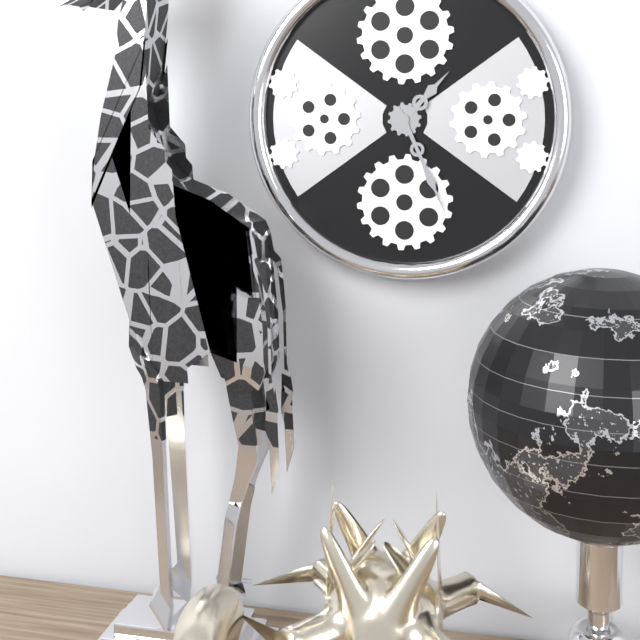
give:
1.26
